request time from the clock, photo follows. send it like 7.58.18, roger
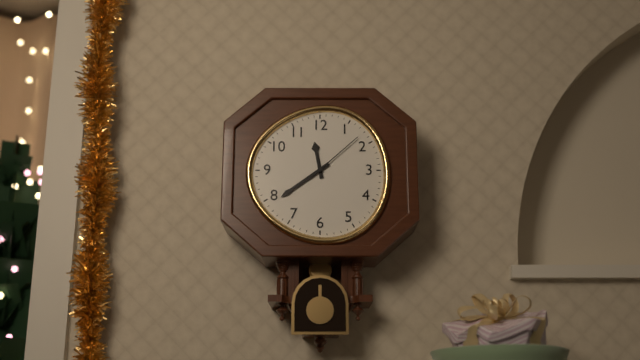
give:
11.39.08
